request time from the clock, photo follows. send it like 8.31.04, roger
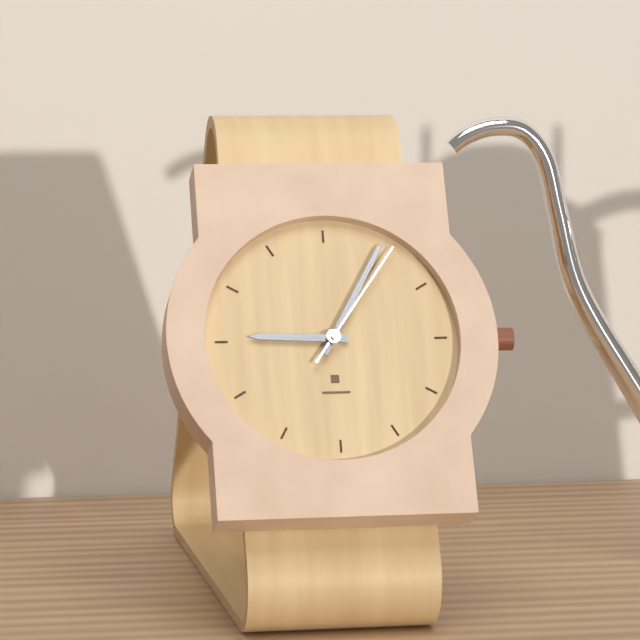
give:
9.05.06
